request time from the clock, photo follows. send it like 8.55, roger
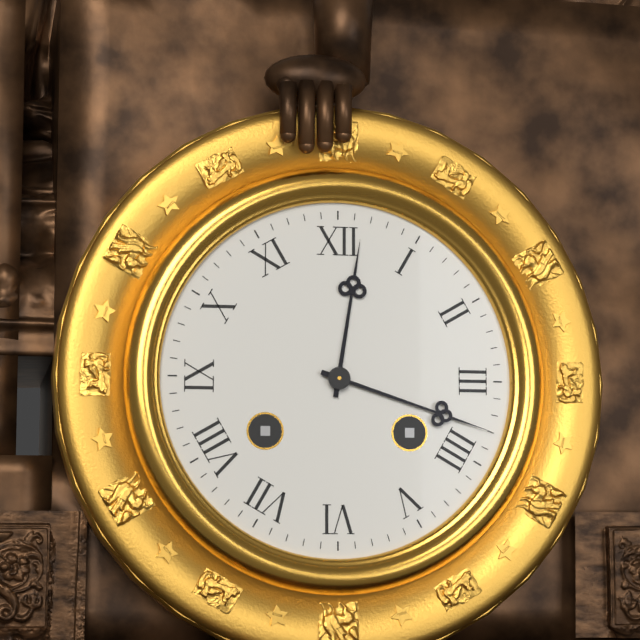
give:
12.18
